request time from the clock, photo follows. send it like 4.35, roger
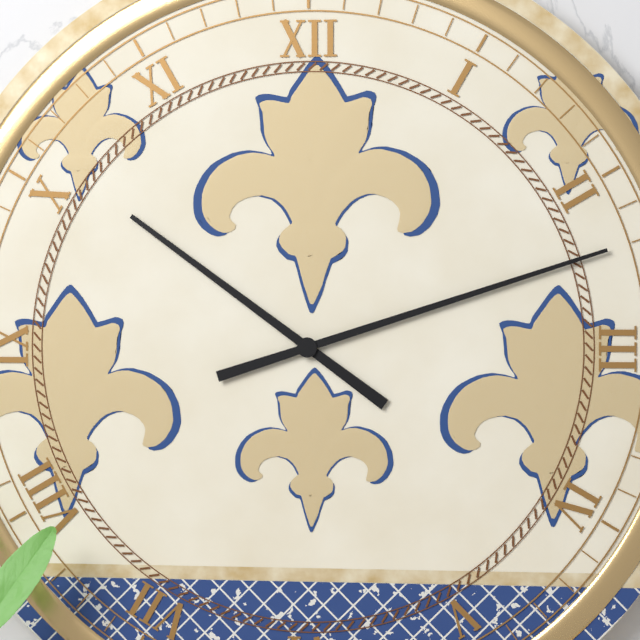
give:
10.12
